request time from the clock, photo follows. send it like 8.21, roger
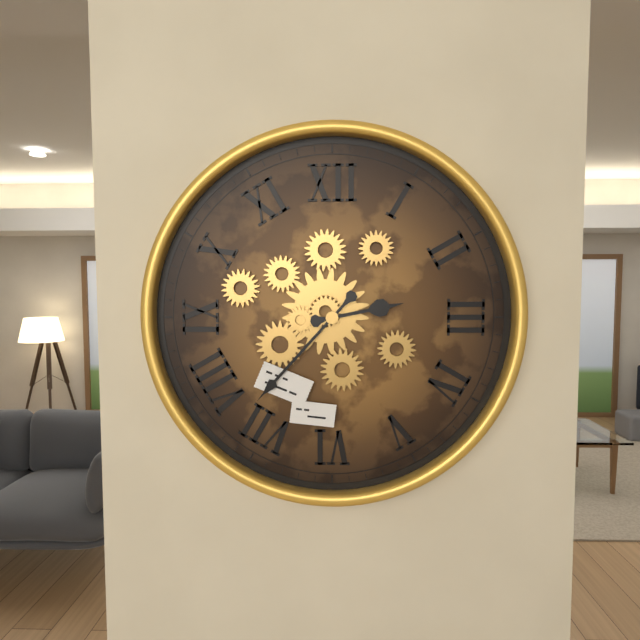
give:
2.37
